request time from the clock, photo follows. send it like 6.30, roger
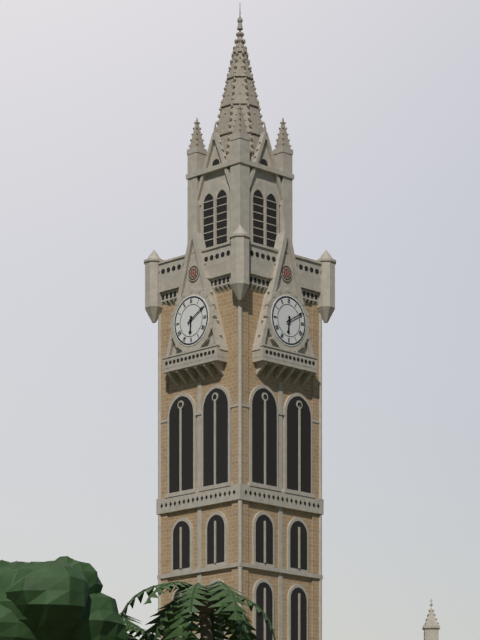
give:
6.10
